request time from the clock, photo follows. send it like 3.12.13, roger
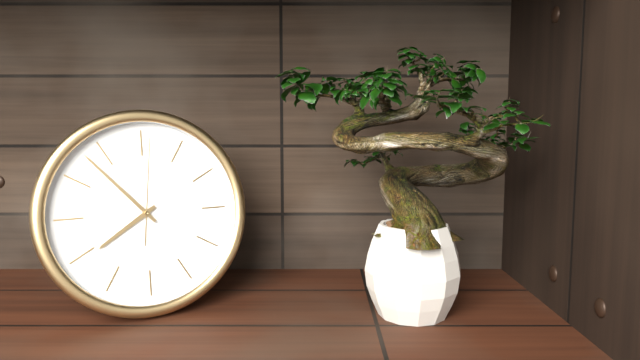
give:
7.53.01
